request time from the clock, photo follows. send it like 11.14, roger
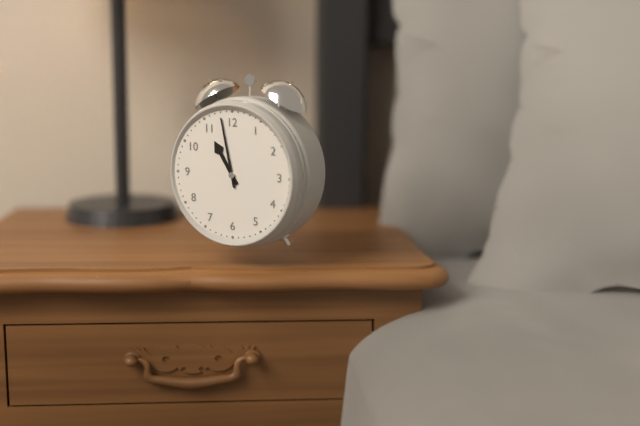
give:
10.58
